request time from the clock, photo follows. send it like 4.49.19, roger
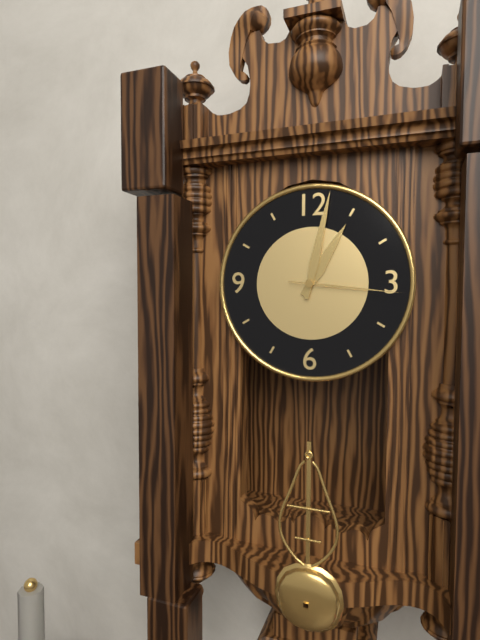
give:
1.02.16
